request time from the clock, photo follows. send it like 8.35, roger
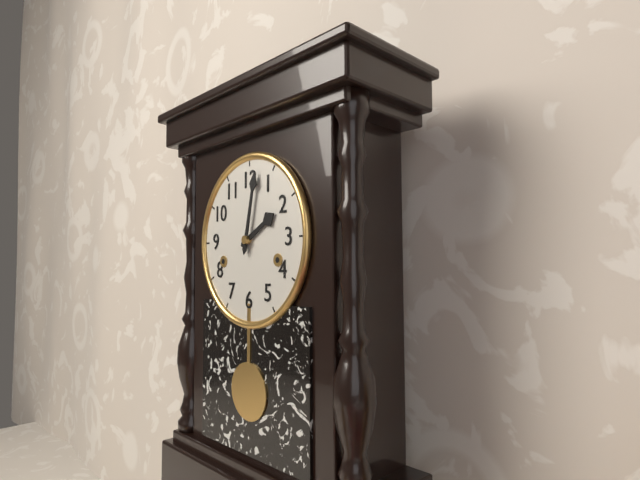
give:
2.02
